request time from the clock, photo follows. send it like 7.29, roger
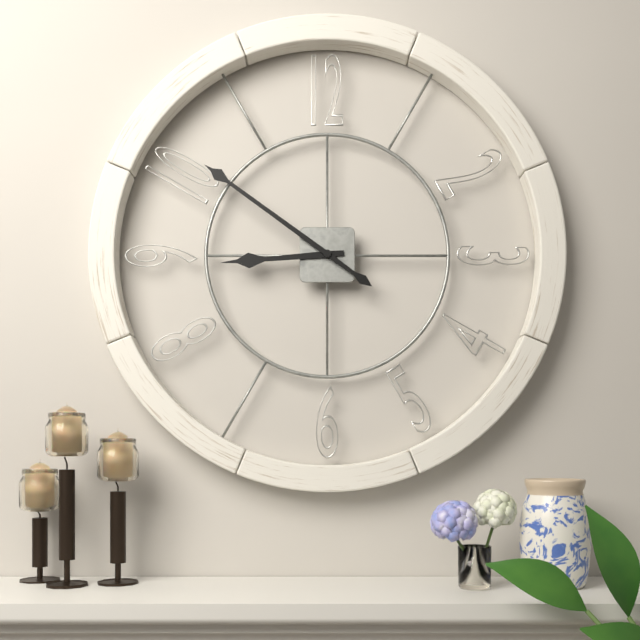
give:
8.51
